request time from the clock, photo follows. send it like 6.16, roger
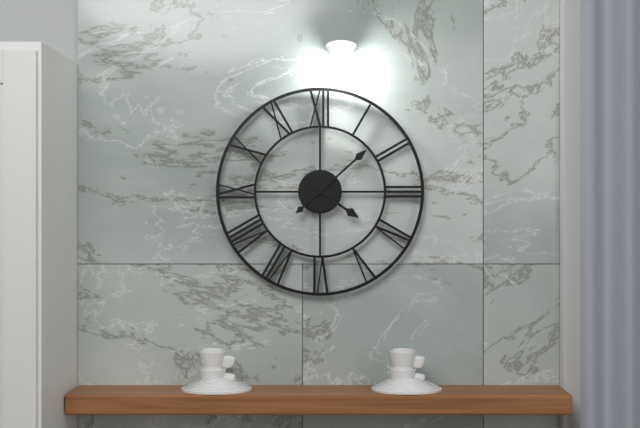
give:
4.08
